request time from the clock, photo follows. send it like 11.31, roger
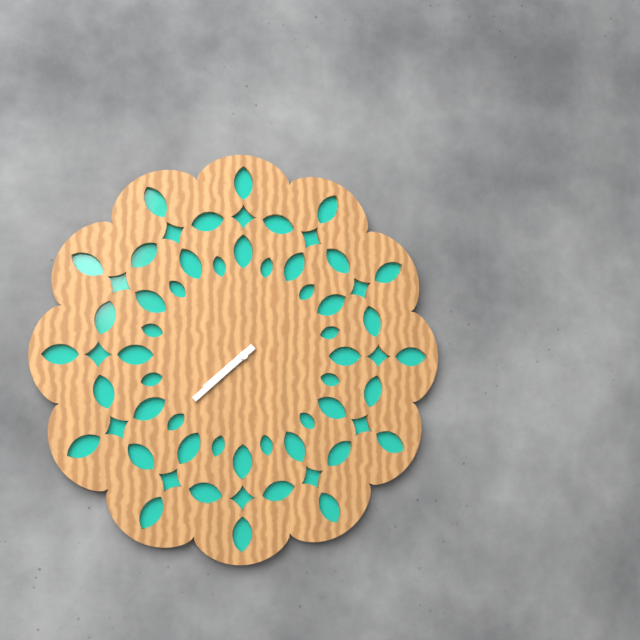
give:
7.38
